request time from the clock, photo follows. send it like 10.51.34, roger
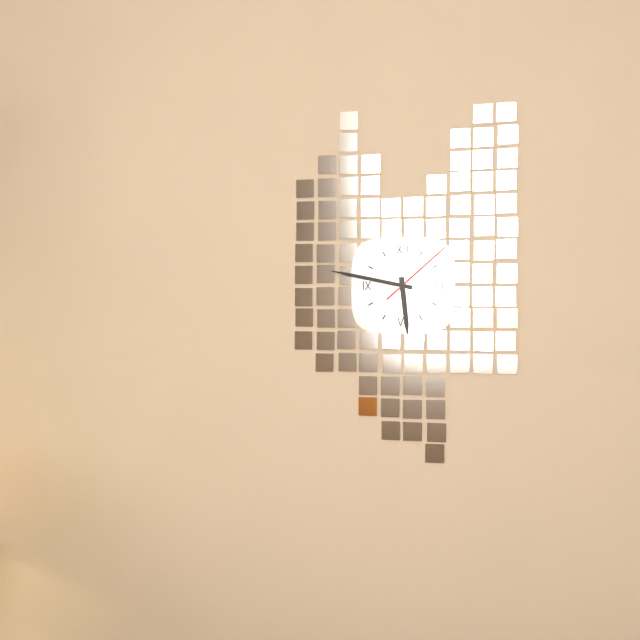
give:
5.47.08
